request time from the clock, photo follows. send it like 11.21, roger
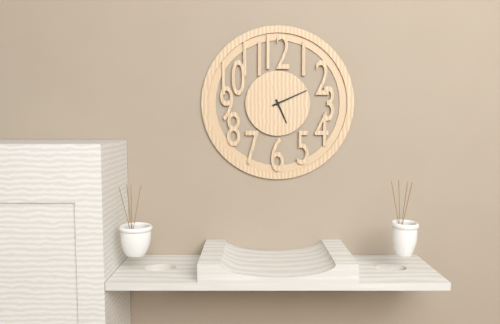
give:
5.11
